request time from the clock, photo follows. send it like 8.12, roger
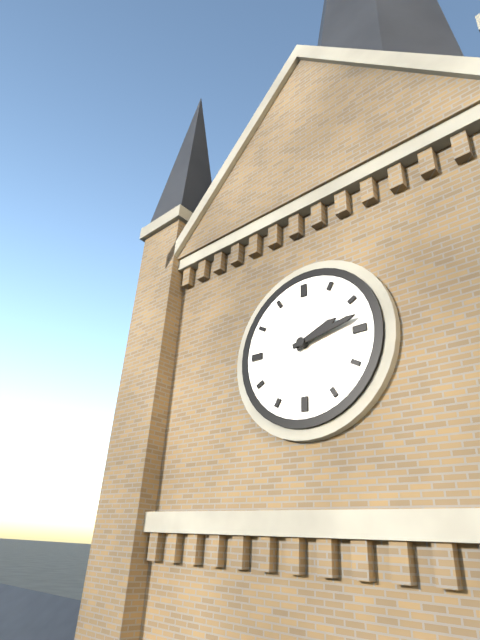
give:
2.13
